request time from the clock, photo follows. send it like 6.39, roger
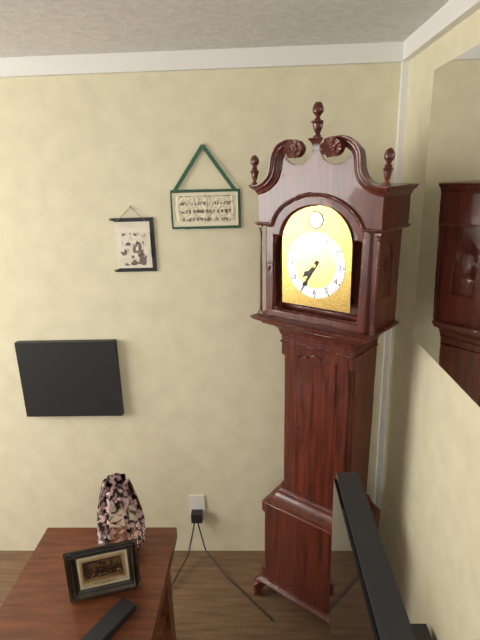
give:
7.35
